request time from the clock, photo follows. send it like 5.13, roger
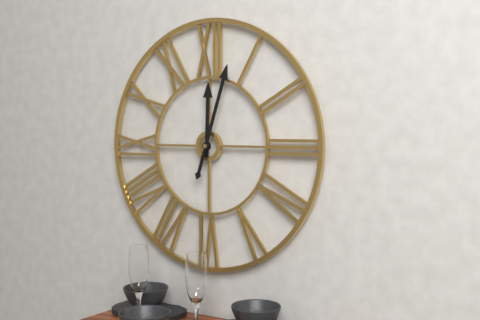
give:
12.03
